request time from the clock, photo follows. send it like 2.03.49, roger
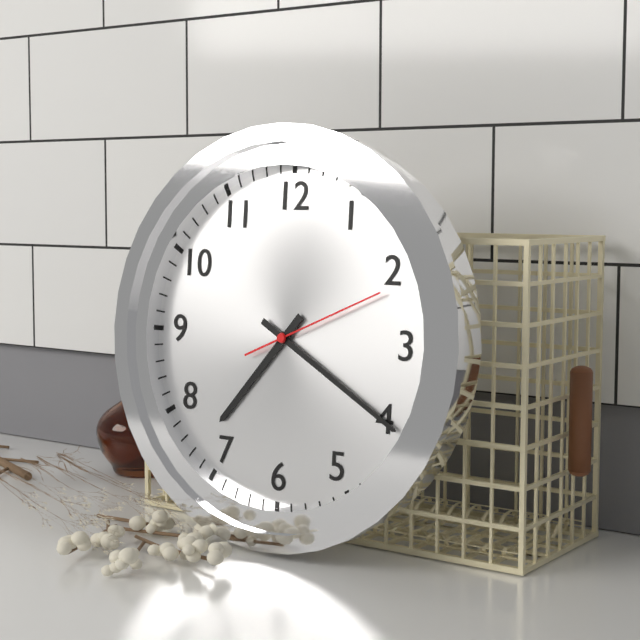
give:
7.20.11
